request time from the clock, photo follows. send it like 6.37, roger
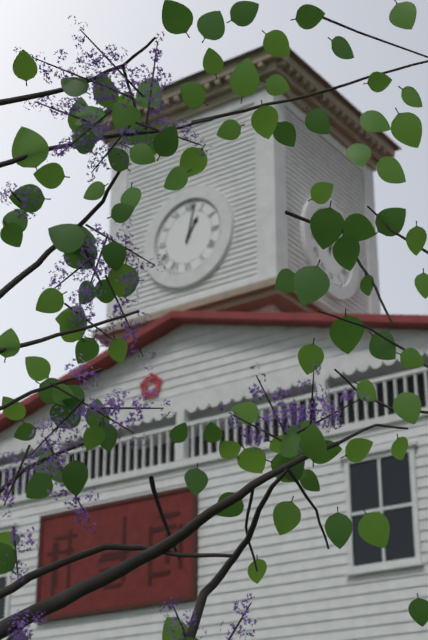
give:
1.02
